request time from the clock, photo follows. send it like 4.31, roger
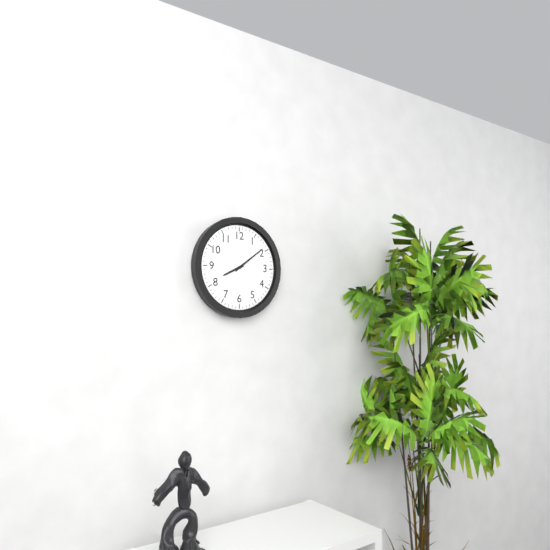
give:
8.09
